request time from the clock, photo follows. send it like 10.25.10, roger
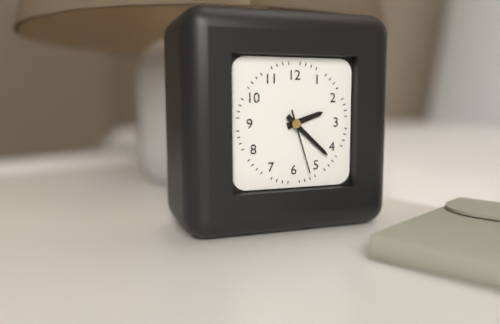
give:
2.22.27
